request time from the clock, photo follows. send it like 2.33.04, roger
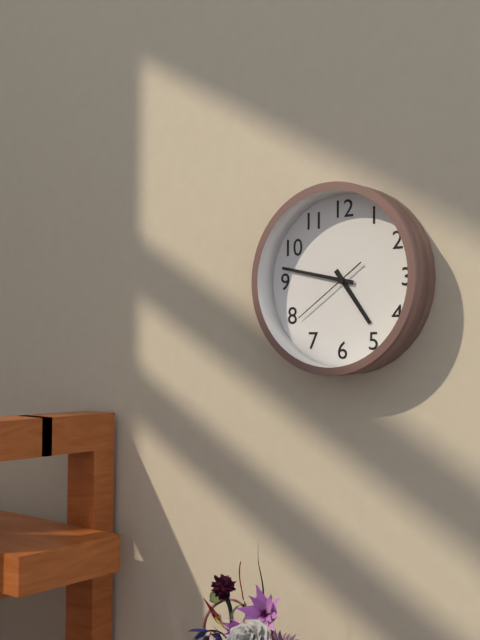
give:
4.47.39
